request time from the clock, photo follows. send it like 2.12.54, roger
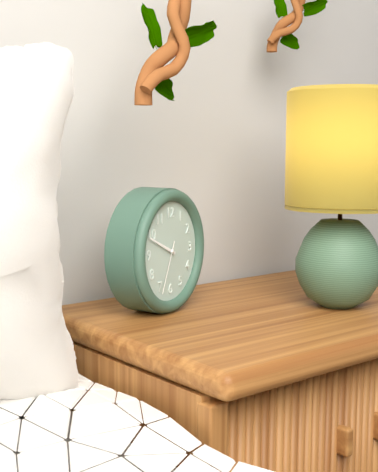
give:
9.49.34
